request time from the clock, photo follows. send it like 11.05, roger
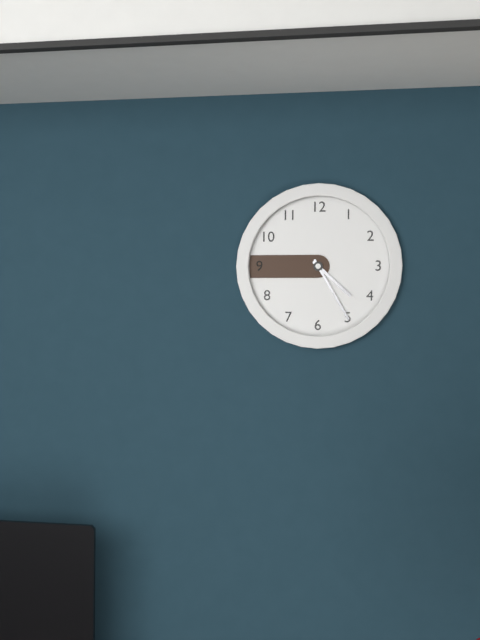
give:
4.25
